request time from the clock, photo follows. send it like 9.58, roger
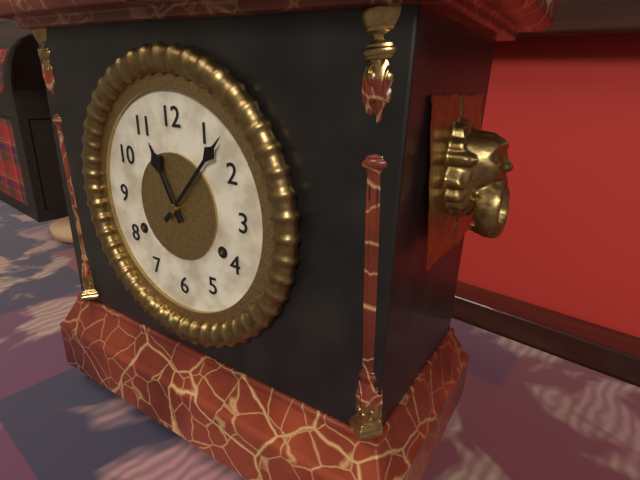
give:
11.07
